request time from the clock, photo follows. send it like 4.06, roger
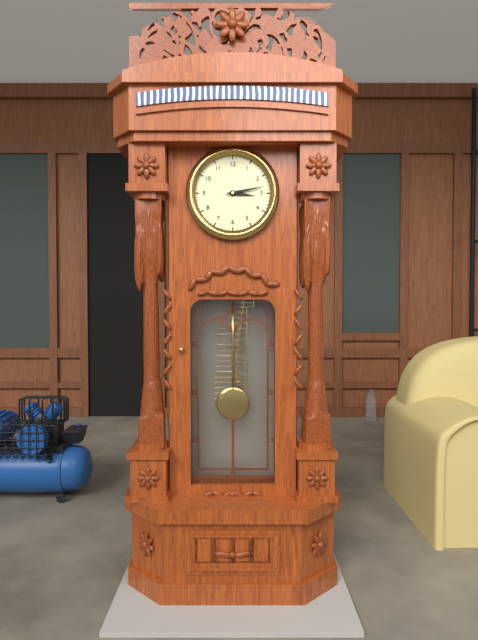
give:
3.13
